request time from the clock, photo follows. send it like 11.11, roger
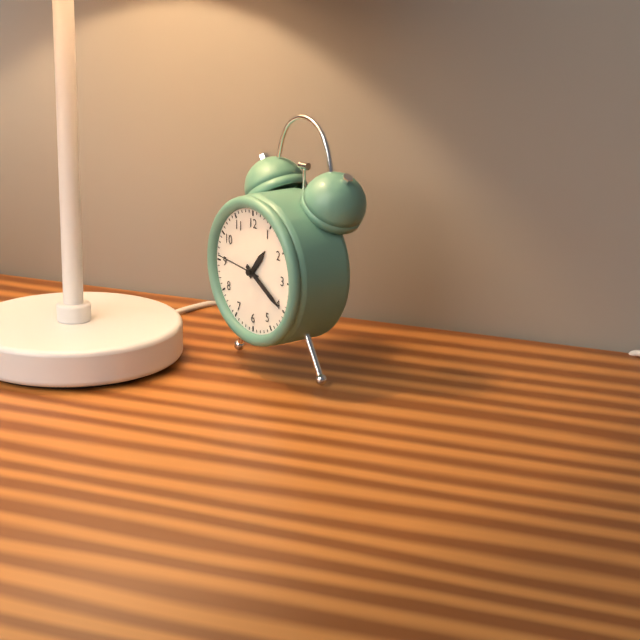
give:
1.20
